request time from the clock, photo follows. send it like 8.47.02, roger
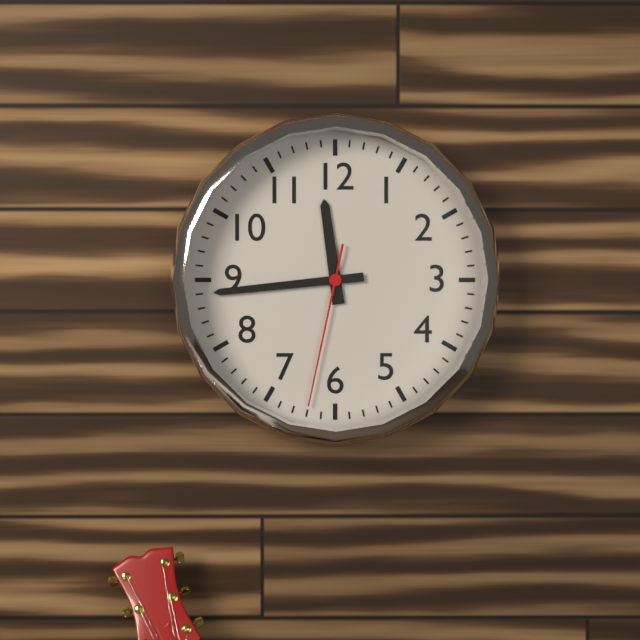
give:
11.44.32
